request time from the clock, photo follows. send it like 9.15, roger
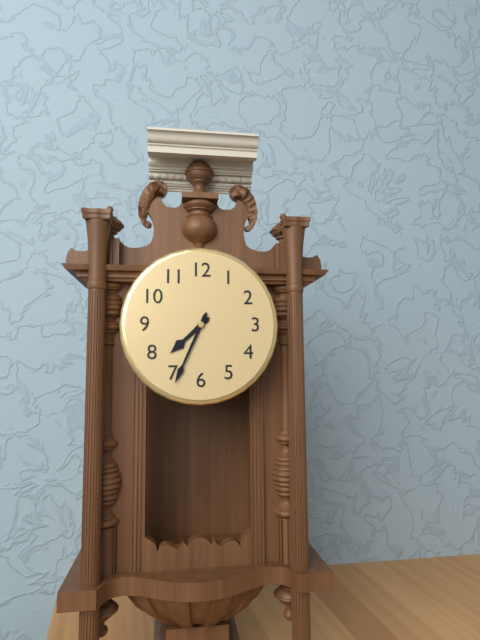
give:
7.34
